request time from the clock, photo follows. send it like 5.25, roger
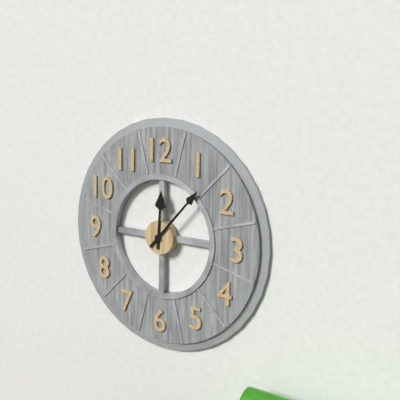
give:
12.07
